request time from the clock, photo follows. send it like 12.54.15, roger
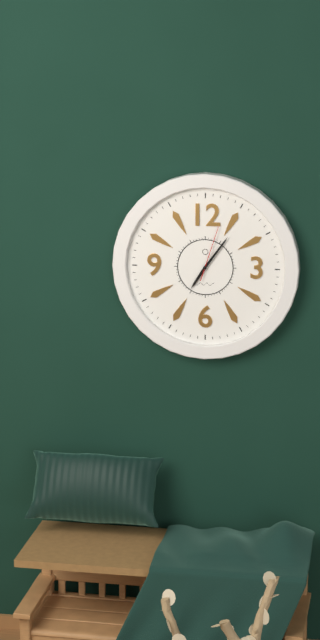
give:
7.06.03
